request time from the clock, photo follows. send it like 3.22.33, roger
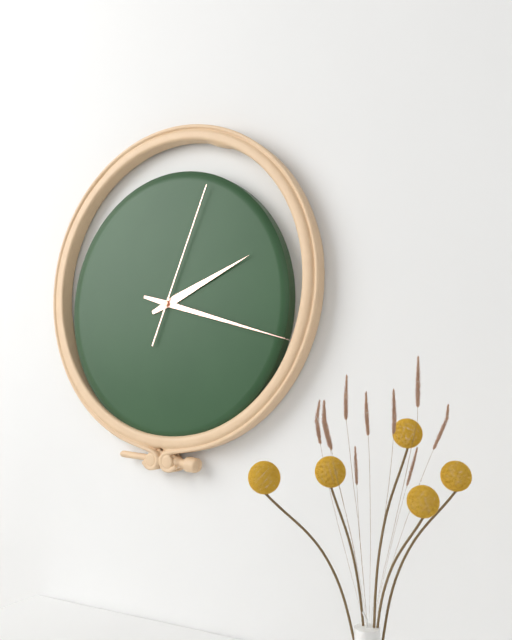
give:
2.18.04
